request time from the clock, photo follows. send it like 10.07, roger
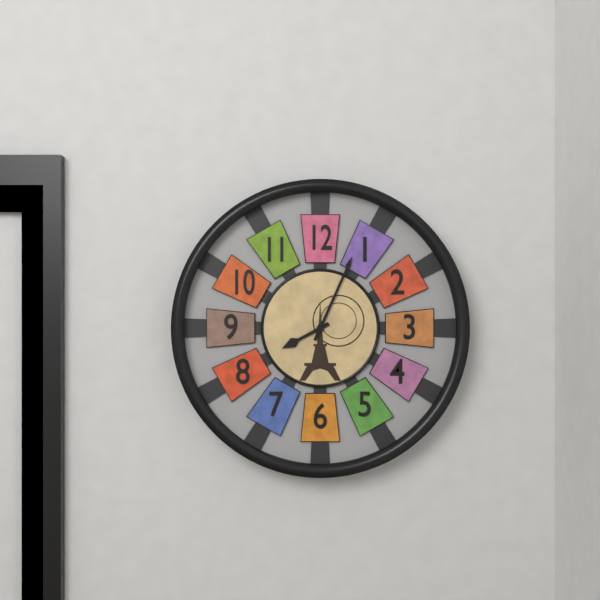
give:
8.04
